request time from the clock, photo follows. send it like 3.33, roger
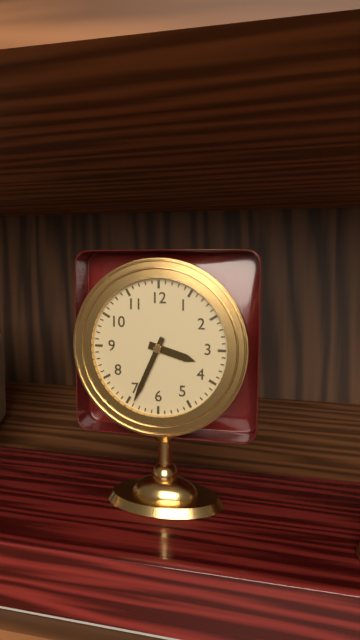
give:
3.34
